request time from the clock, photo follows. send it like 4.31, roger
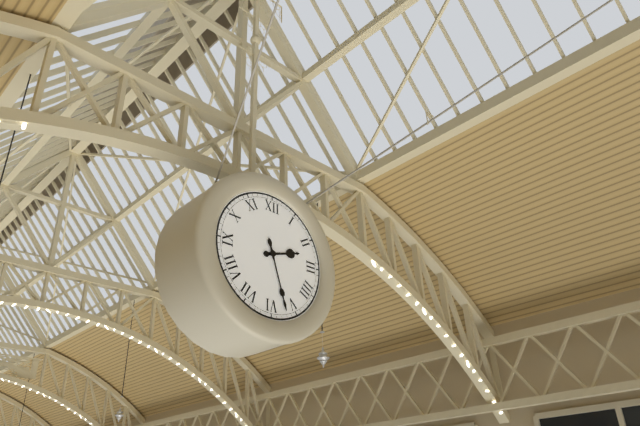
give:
2.27
